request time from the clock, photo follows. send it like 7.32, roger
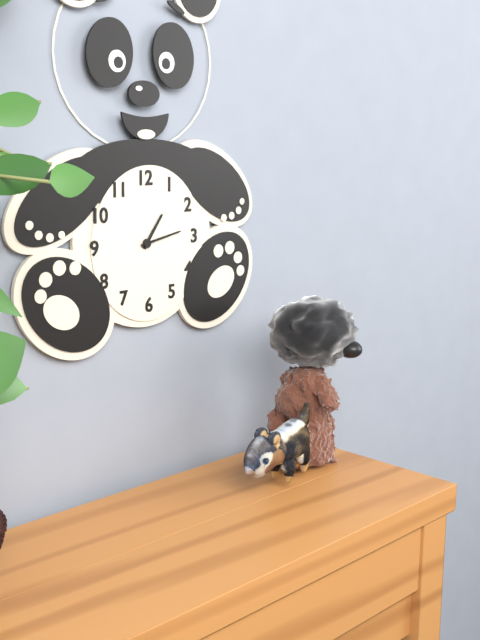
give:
1.13
